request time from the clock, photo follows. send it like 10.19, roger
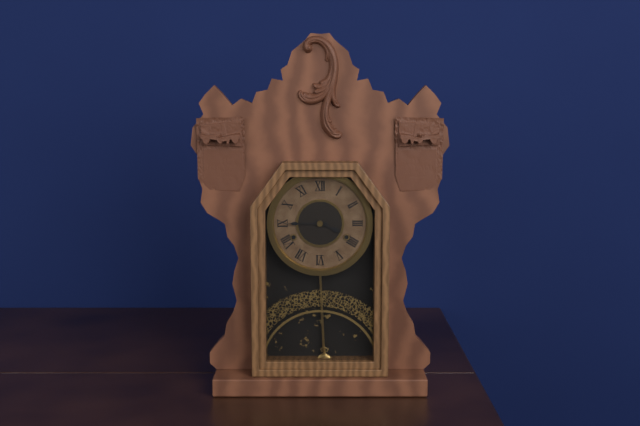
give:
3.45
